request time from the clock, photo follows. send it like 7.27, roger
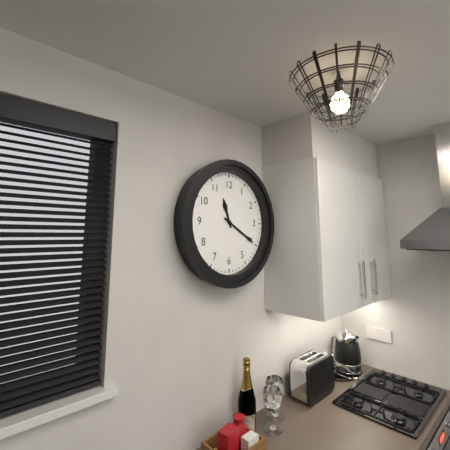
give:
11.20
